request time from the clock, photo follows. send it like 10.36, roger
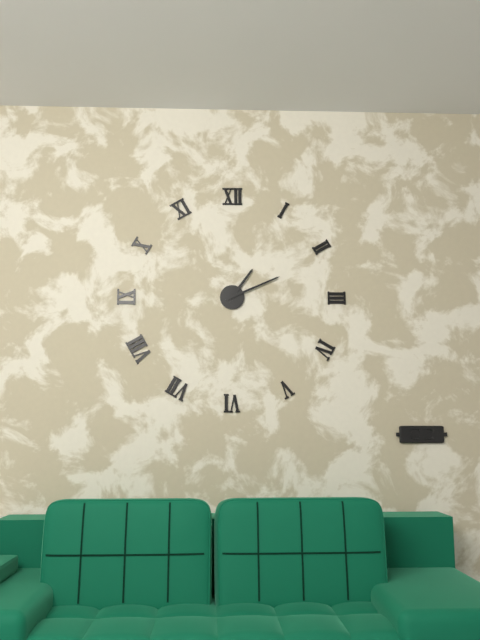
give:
1.11
